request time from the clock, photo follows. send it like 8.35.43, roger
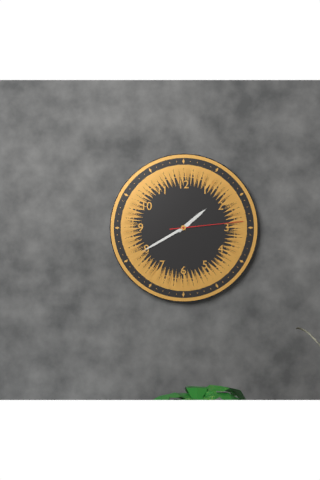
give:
1.40.14
